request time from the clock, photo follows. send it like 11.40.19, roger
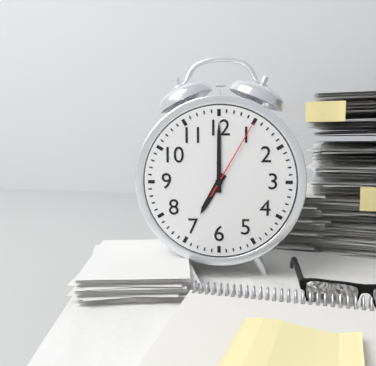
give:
7.00.05
